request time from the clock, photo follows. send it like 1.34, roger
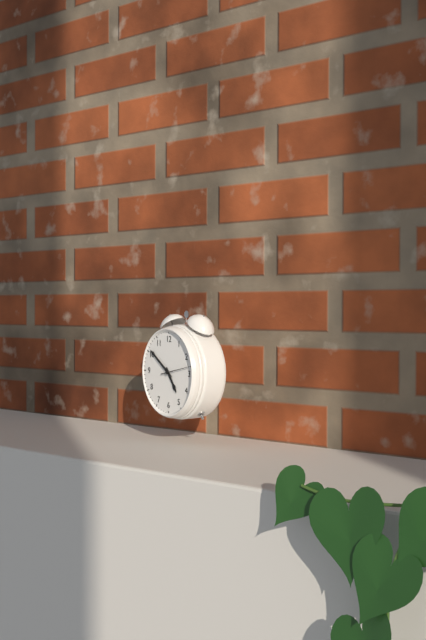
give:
4.51
